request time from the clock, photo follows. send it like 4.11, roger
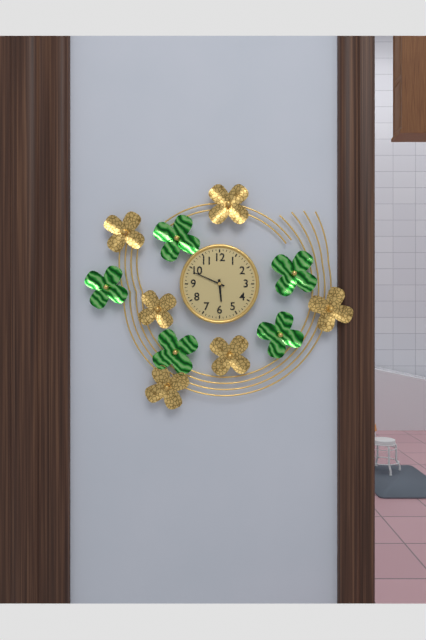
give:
5.49
